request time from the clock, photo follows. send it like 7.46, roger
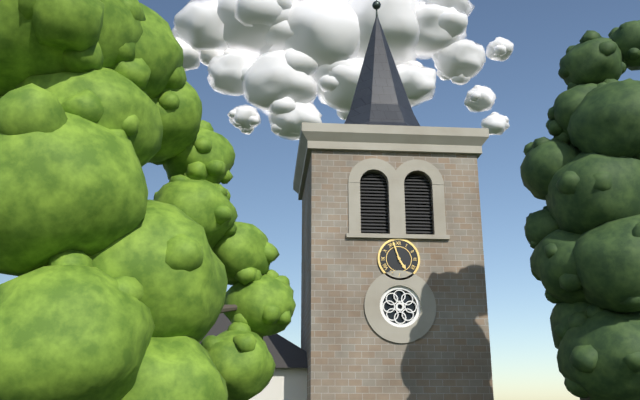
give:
4.57
